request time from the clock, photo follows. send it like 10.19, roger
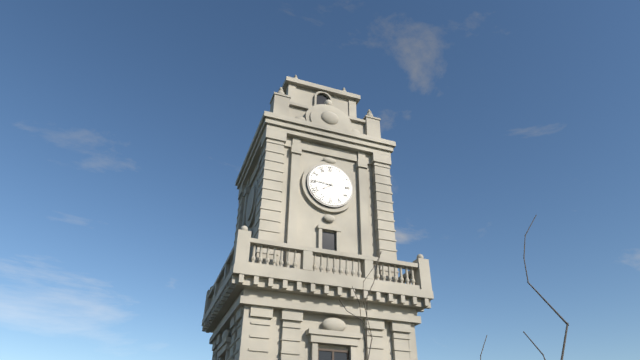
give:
7.46
